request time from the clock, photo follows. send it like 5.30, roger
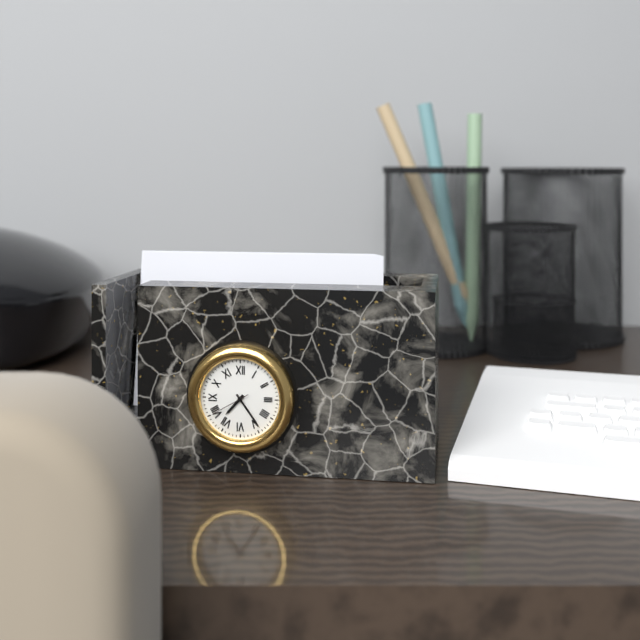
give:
7.24
